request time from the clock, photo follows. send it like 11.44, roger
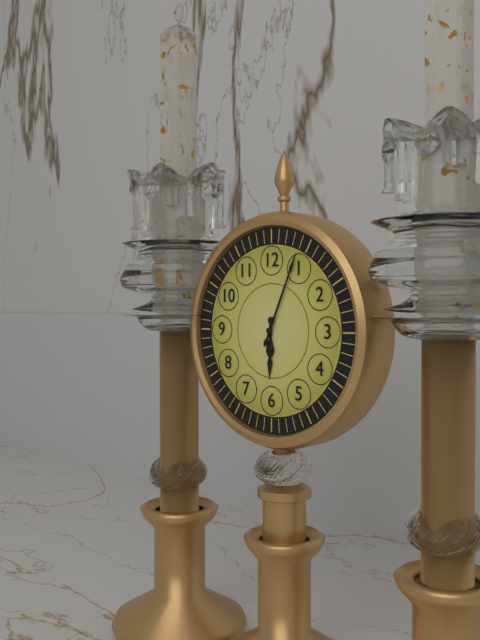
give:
6.04
